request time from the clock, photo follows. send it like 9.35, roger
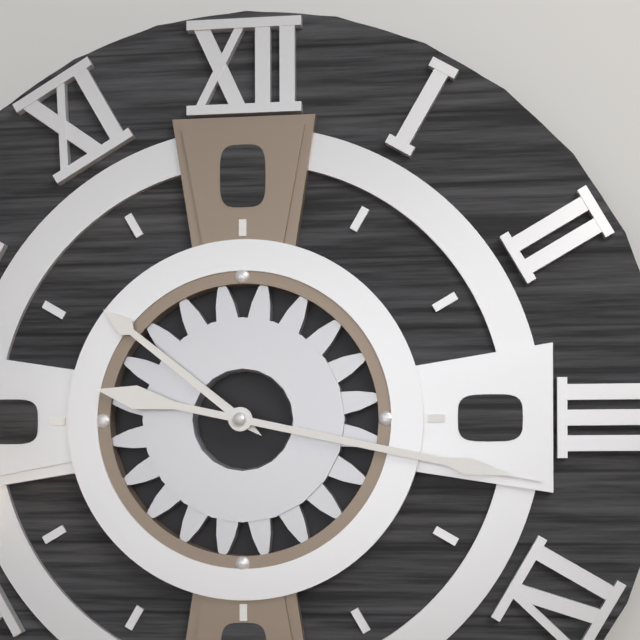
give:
10.17
